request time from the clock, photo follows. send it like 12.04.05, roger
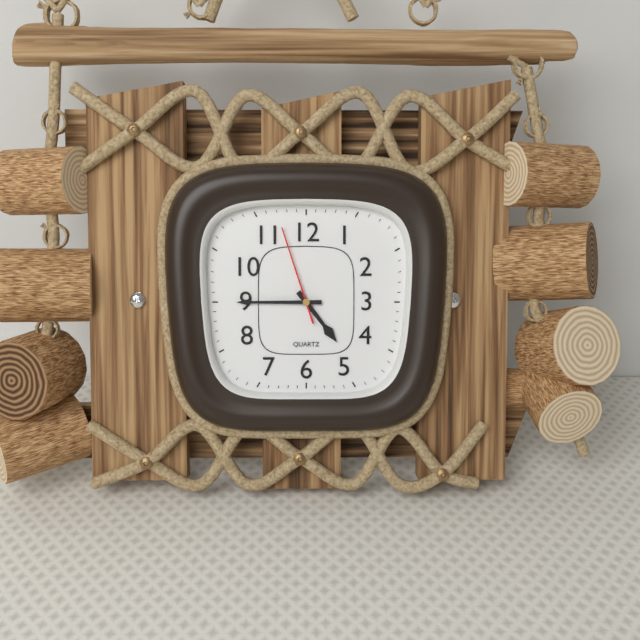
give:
4.45.57
